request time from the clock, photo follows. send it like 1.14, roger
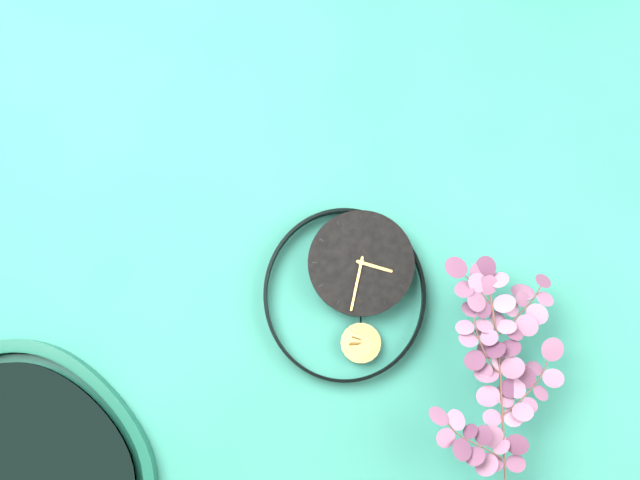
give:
3.32
